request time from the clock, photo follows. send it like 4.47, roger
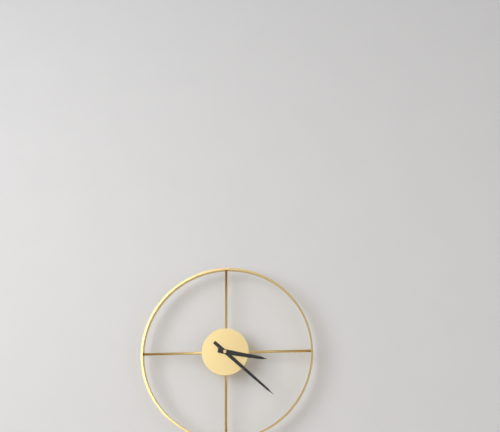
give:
3.22
